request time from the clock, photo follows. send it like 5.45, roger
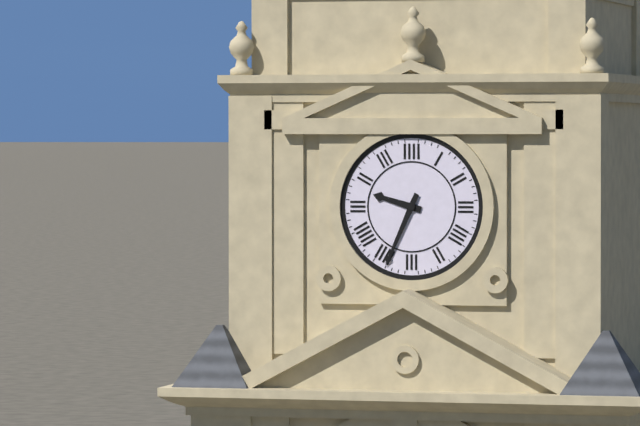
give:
9.34
